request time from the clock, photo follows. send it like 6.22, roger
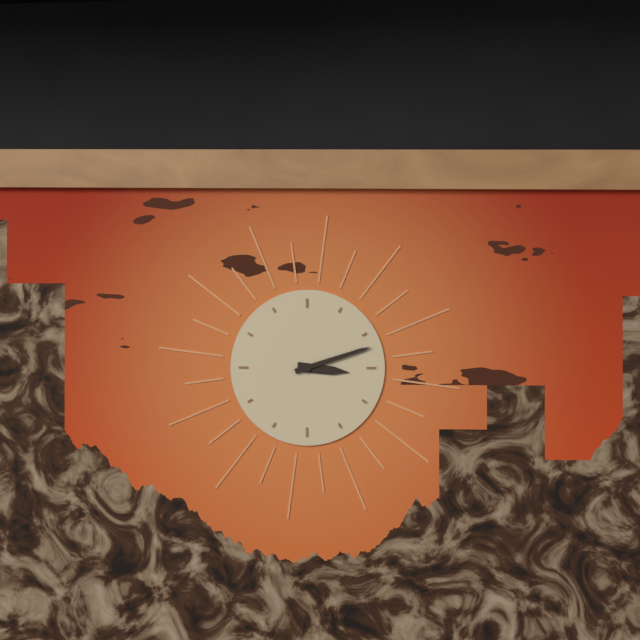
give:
3.12
